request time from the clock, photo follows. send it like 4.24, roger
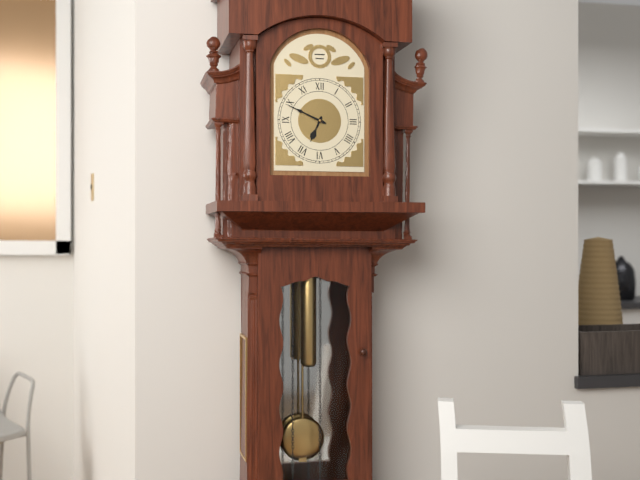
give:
6.49
